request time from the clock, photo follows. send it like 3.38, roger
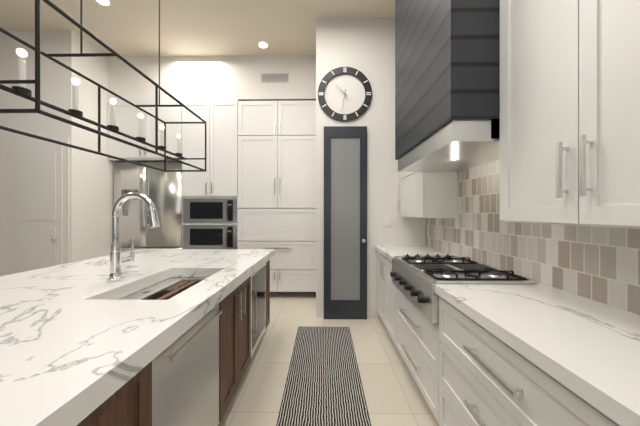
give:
10.32
